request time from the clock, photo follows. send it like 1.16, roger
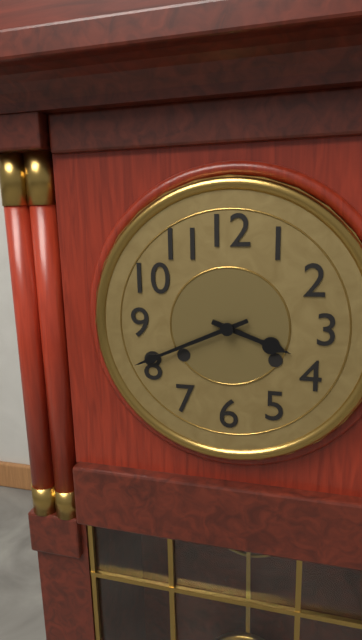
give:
3.41
